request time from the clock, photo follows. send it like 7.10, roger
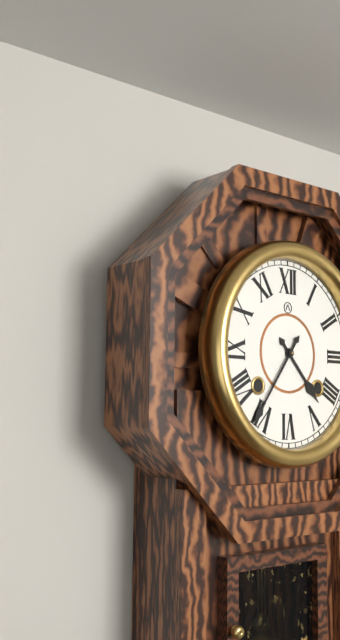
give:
4.36
